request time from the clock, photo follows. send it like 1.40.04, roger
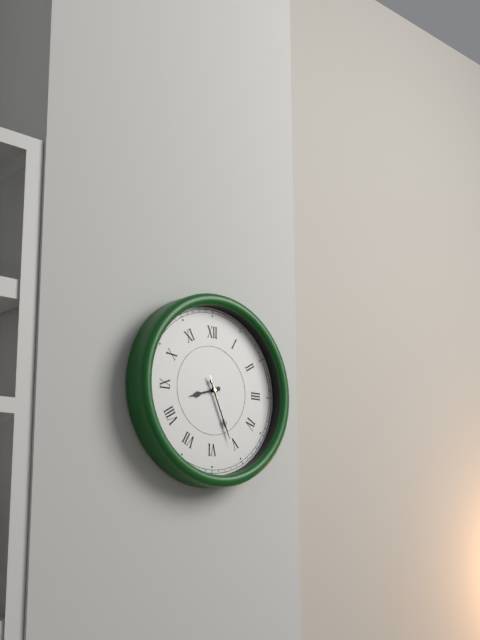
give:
8.26.26
